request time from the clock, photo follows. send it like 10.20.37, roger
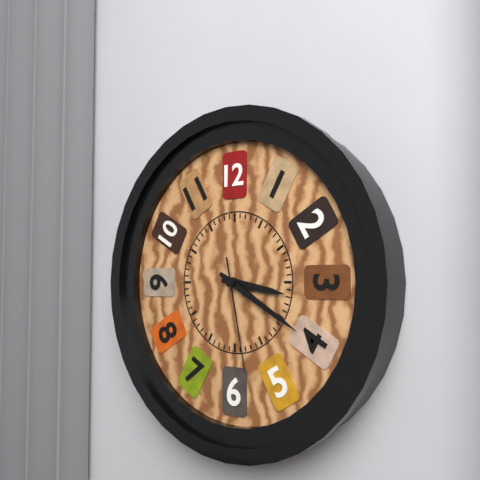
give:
3.20.28
